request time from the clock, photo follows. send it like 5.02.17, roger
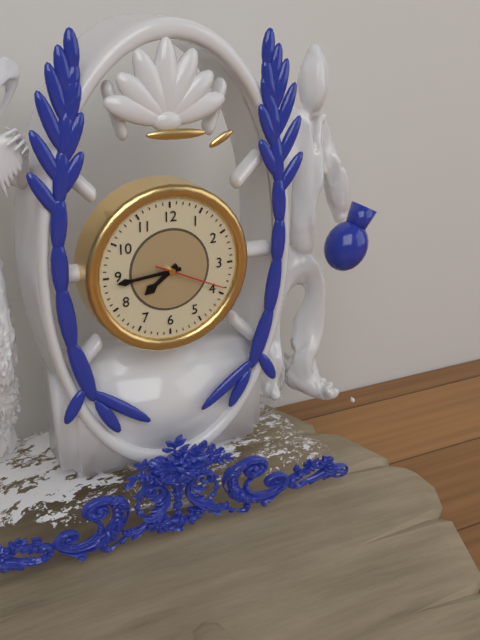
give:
7.44.19
